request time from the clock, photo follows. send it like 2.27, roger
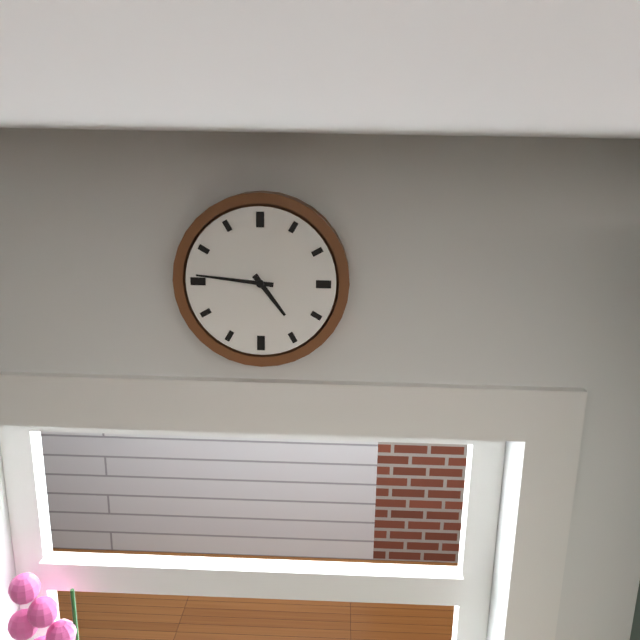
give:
4.46
